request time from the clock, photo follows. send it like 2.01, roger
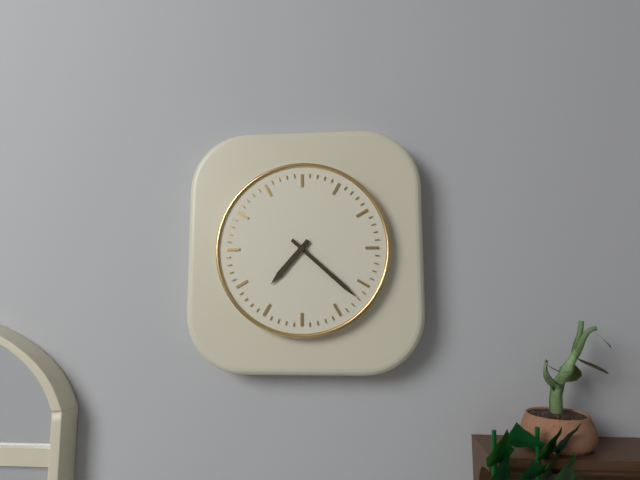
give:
7.22
